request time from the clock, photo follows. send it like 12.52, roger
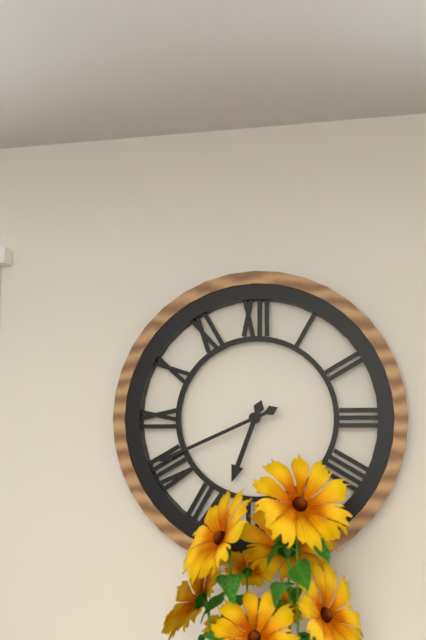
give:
6.41
